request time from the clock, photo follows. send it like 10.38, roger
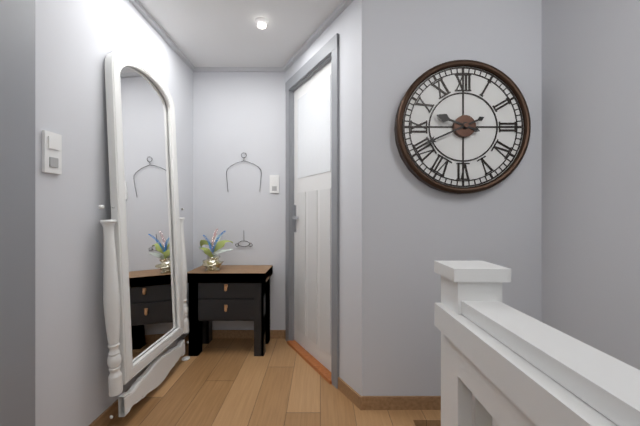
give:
9.41
